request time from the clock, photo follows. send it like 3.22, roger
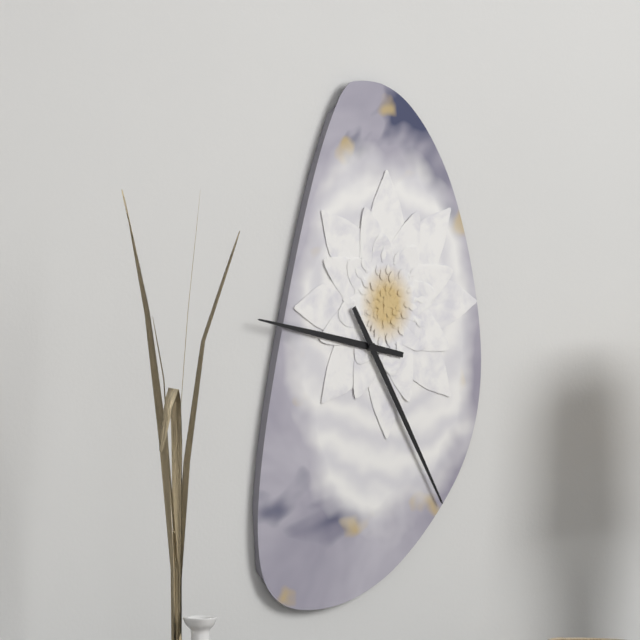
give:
9.25
